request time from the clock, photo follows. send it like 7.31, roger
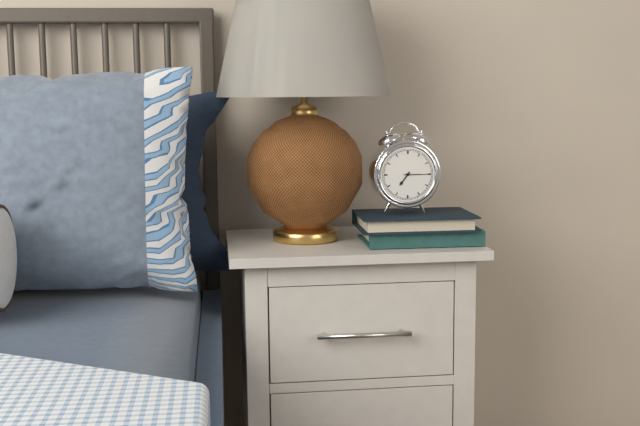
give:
7.15
